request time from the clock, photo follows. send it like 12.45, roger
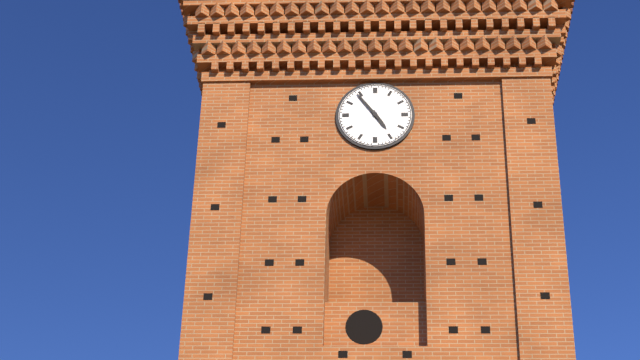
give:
4.54
